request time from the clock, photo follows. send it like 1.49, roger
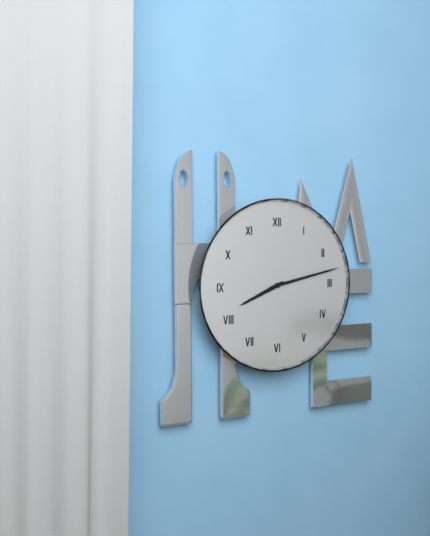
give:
8.13
